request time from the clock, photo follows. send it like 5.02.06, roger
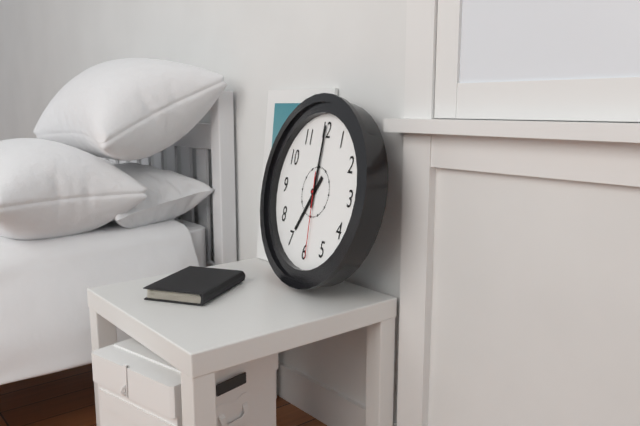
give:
7.00.29
